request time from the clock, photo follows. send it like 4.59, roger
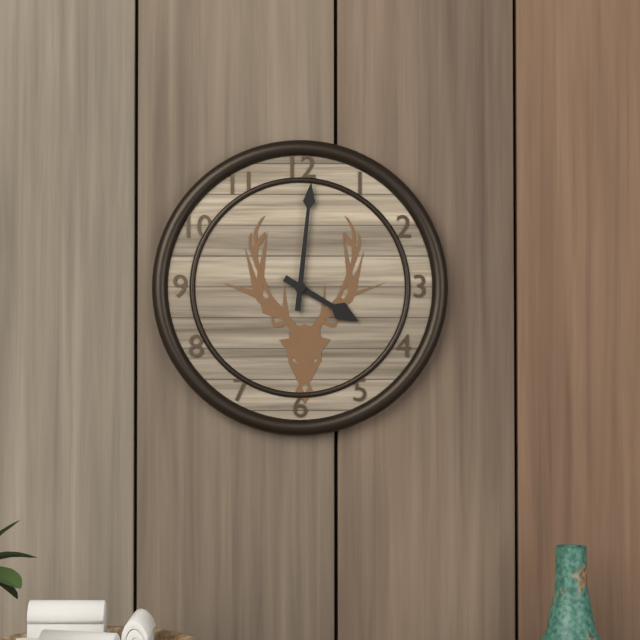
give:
4.01
